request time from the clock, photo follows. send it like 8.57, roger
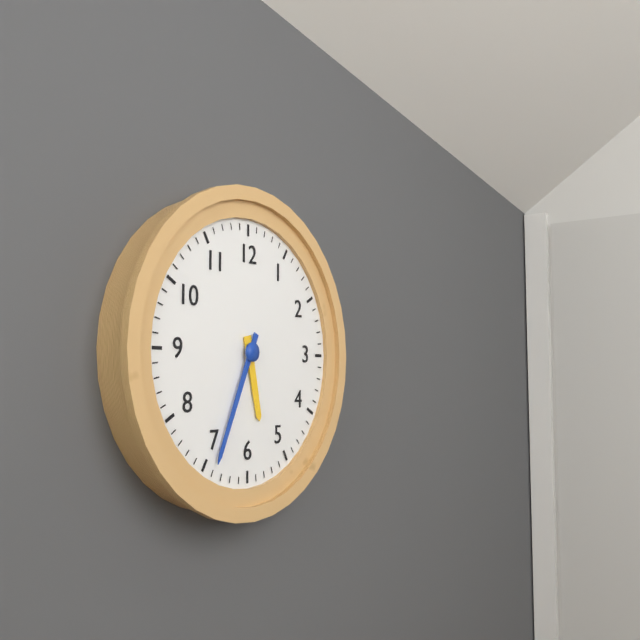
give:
5.34
